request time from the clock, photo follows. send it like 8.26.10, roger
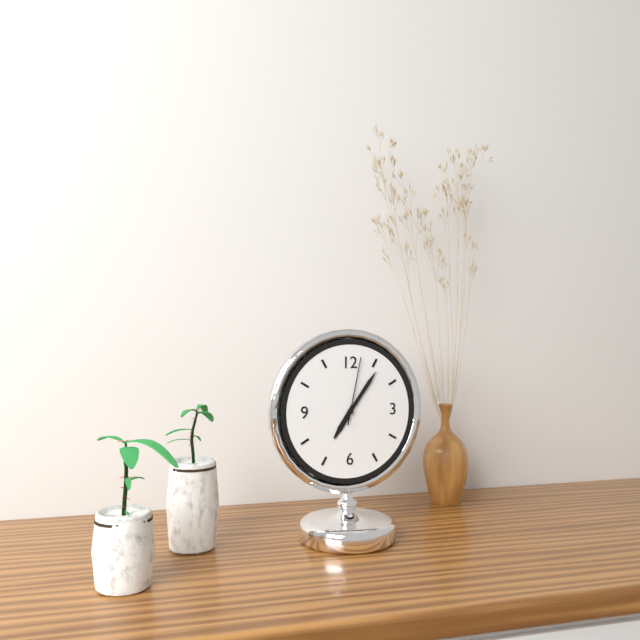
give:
7.06.02
